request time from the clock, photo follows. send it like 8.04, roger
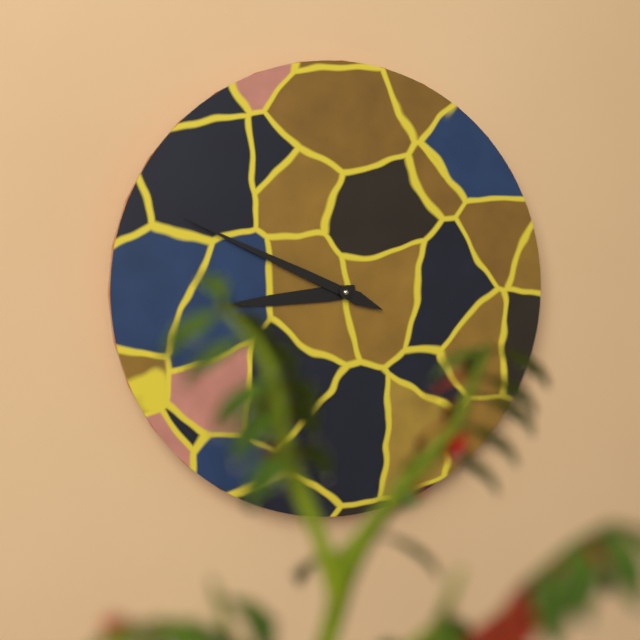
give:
8.49
